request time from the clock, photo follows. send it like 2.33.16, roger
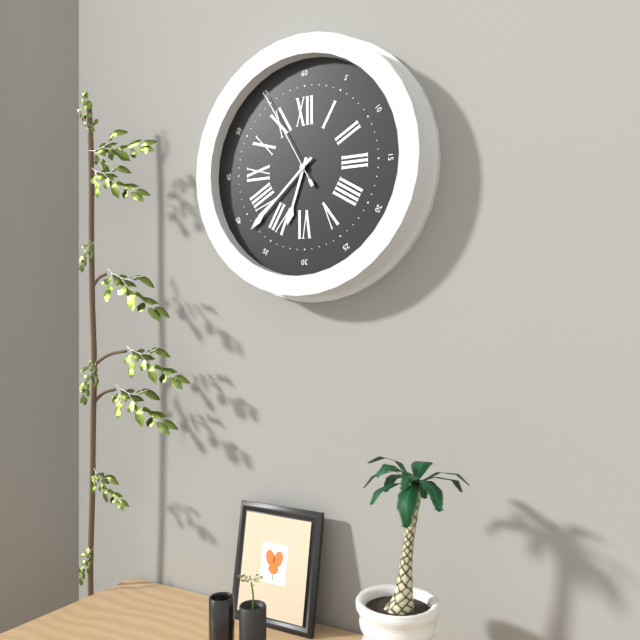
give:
6.38.55
